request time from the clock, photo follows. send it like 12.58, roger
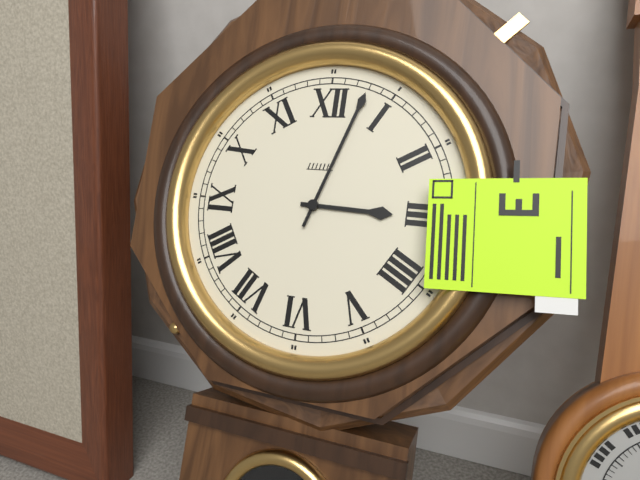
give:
3.03
